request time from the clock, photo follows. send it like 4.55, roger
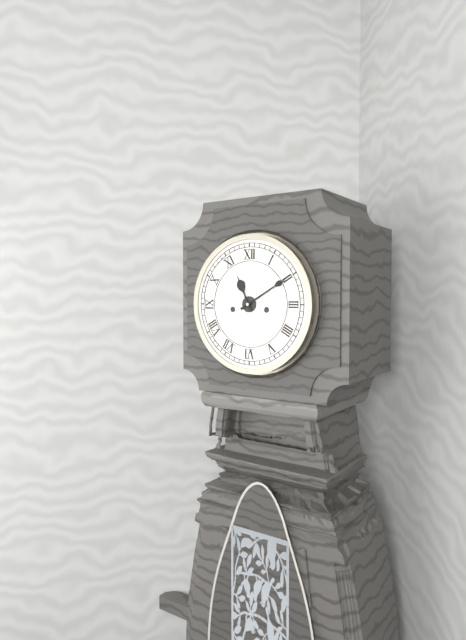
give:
11.10
